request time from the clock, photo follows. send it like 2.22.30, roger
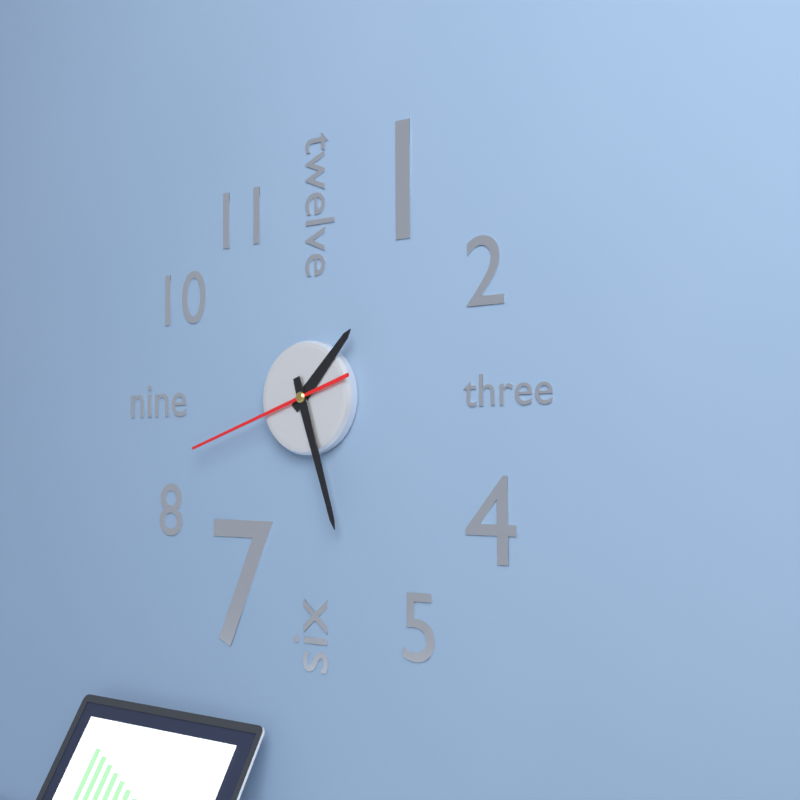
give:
1.27.42
